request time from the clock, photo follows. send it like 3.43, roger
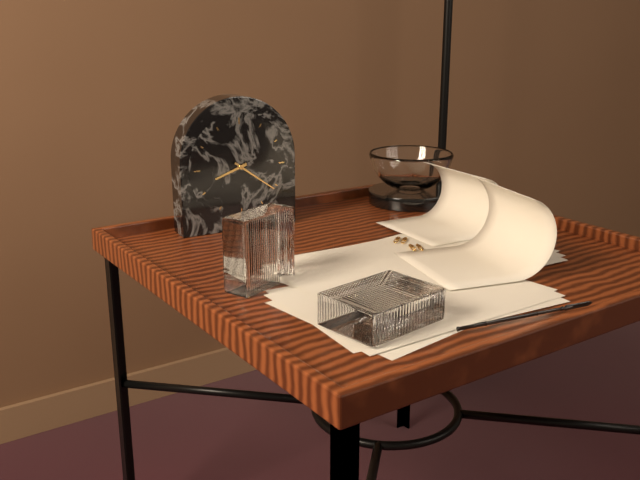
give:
8.21
